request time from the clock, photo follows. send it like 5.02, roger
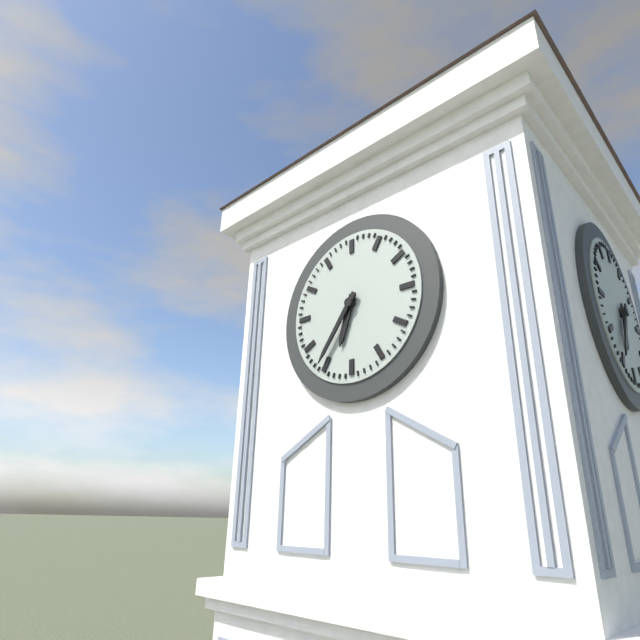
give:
6.36
